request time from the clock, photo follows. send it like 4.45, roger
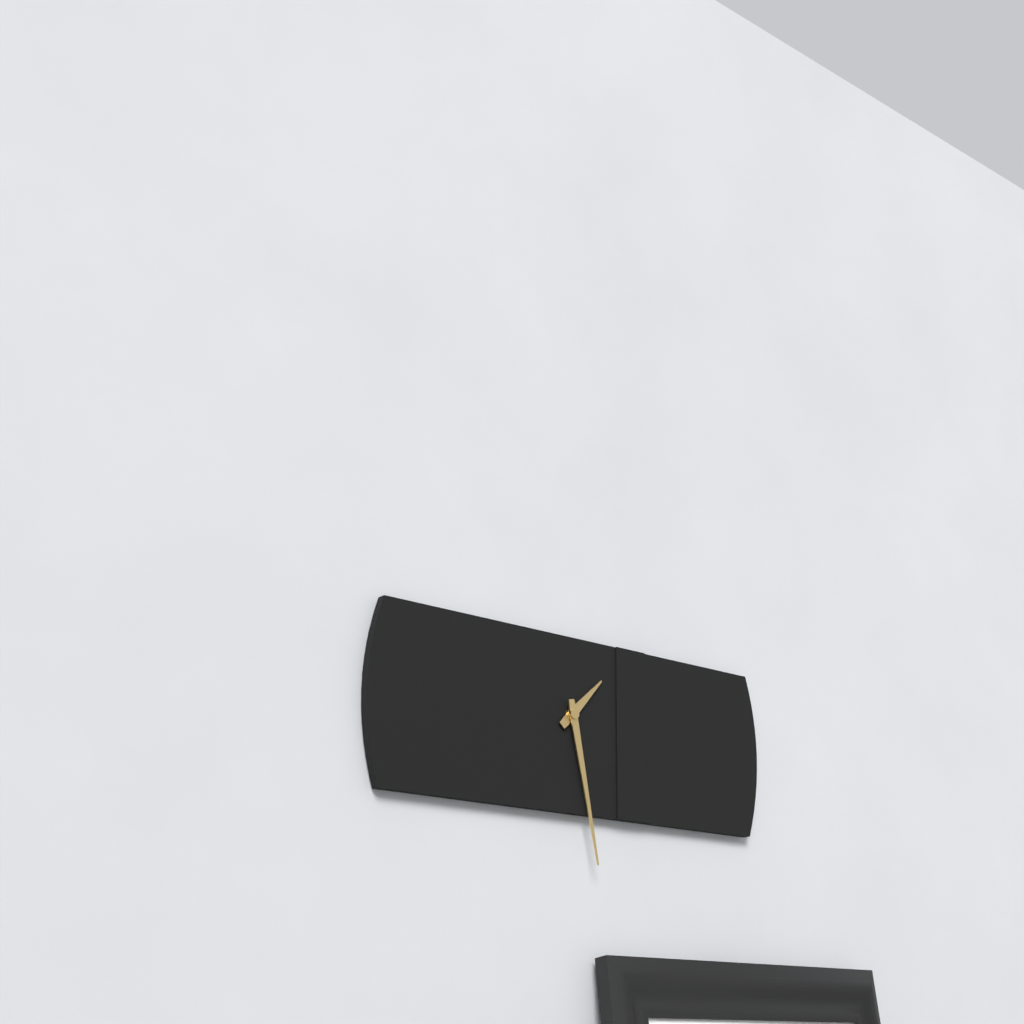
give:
1.28
